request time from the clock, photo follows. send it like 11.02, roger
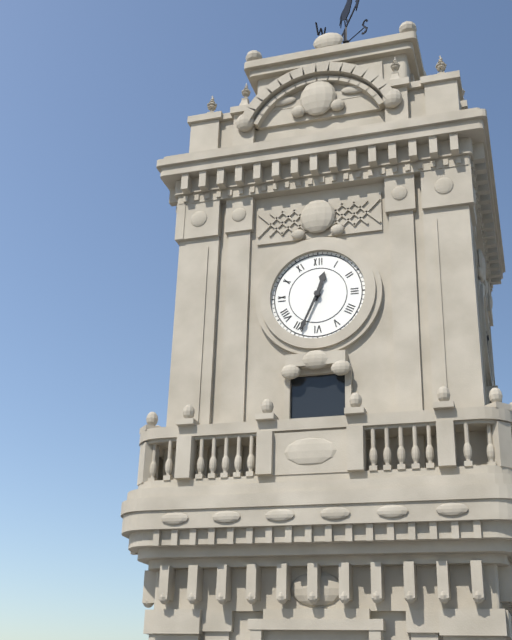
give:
12.34
